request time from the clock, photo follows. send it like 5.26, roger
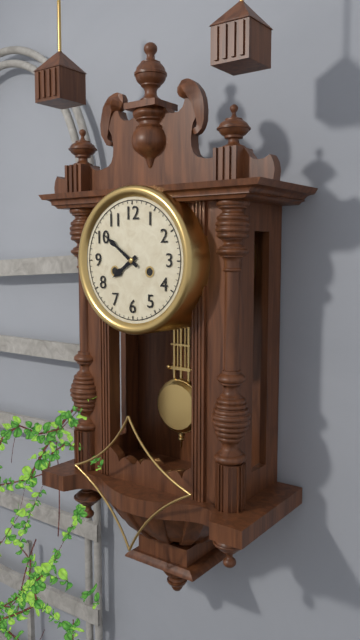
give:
7.51
